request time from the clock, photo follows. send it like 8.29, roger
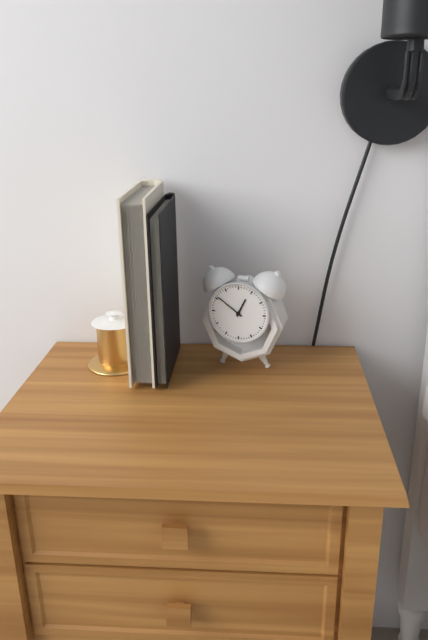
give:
12.51
